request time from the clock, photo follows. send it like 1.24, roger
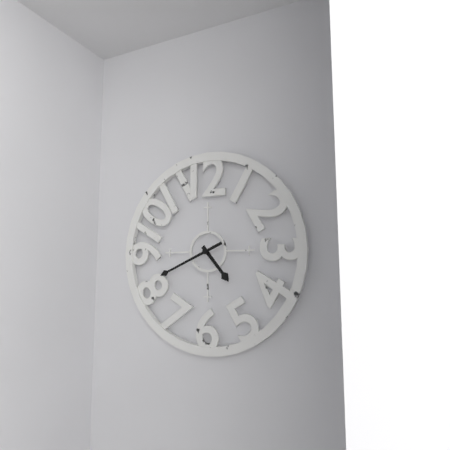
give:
4.41
